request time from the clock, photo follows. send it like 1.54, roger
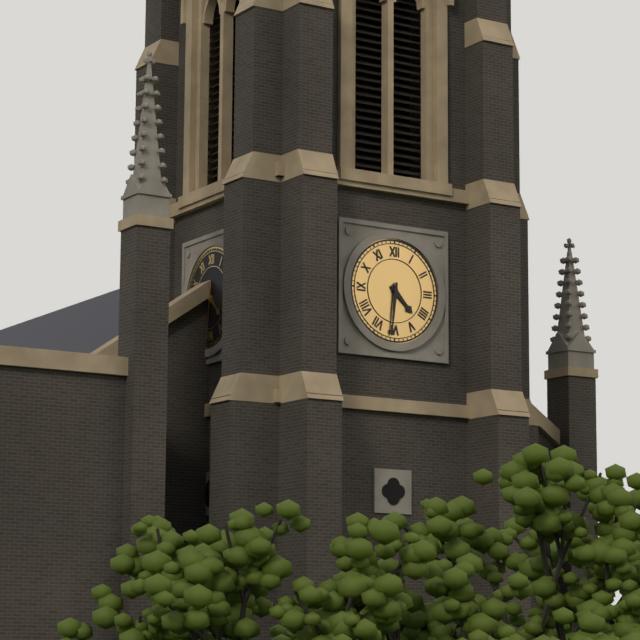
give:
4.31
